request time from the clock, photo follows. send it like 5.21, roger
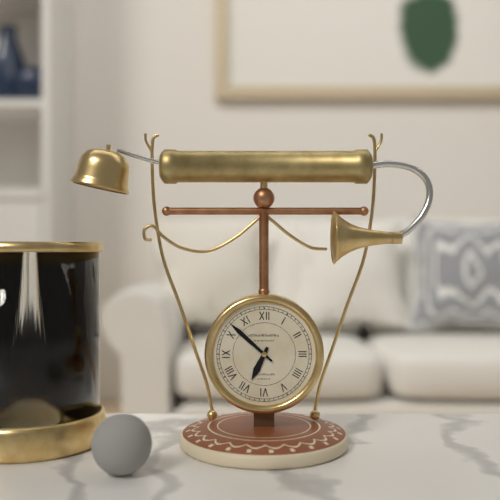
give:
6.52
